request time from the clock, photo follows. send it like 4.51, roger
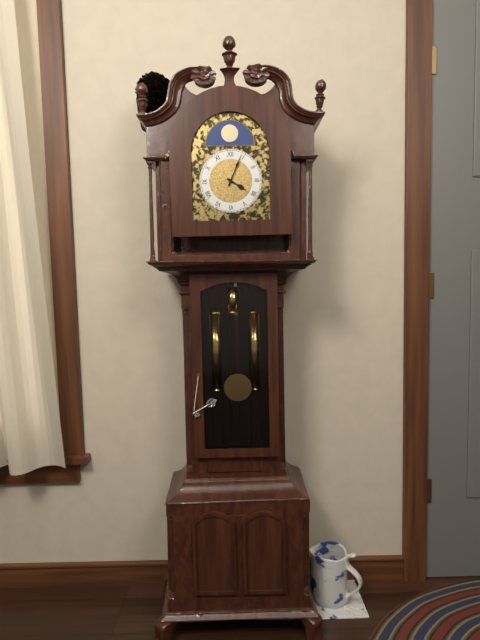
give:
4.04
